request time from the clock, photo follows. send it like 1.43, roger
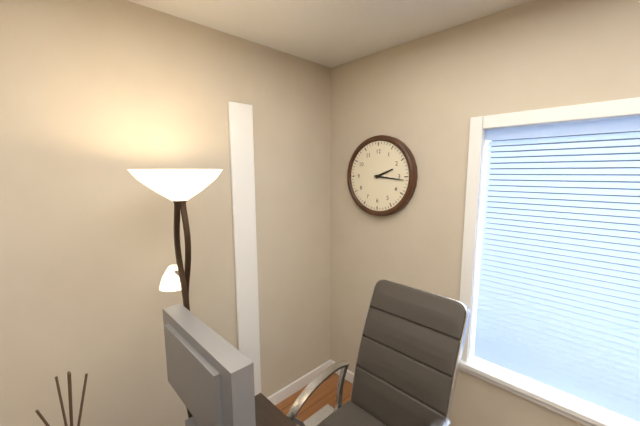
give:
2.16
